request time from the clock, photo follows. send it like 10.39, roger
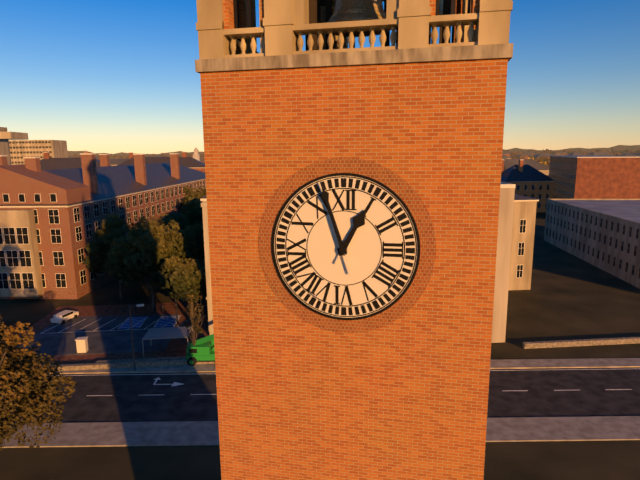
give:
12.57
